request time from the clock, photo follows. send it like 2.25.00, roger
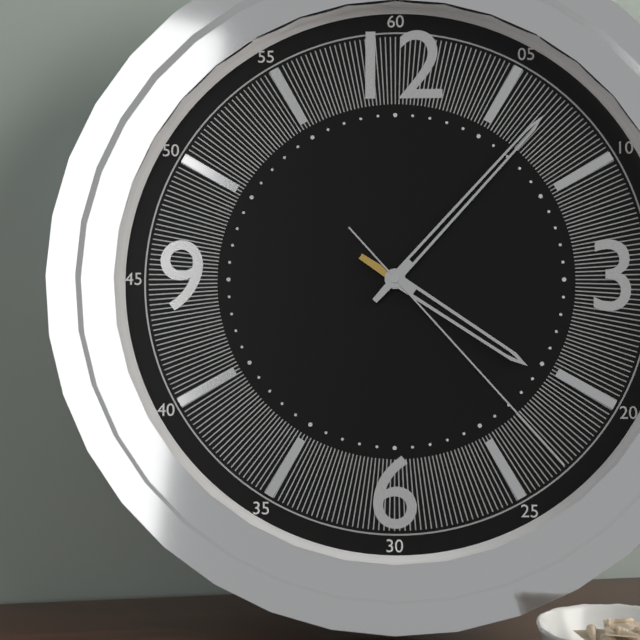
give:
4.07.23
